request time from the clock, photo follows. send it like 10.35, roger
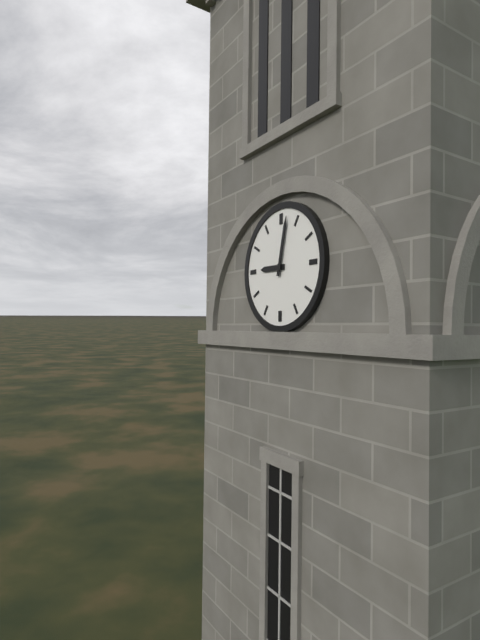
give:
9.02
